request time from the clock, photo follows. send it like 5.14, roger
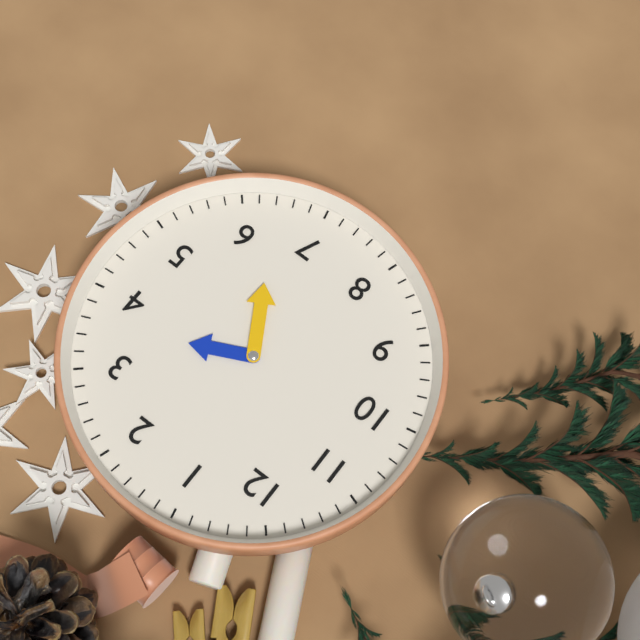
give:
3.32
